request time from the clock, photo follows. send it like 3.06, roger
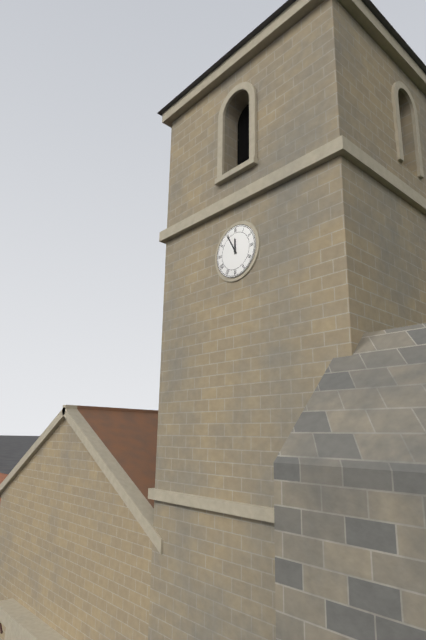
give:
11.55
